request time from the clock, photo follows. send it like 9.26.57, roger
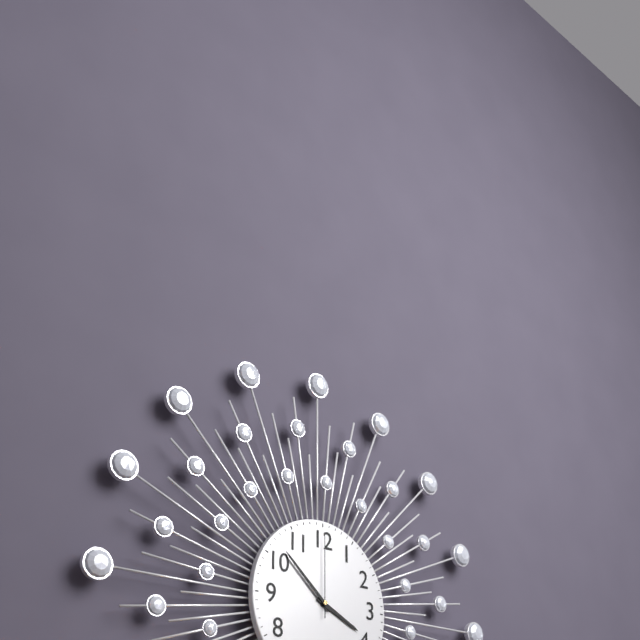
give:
3.52.00
